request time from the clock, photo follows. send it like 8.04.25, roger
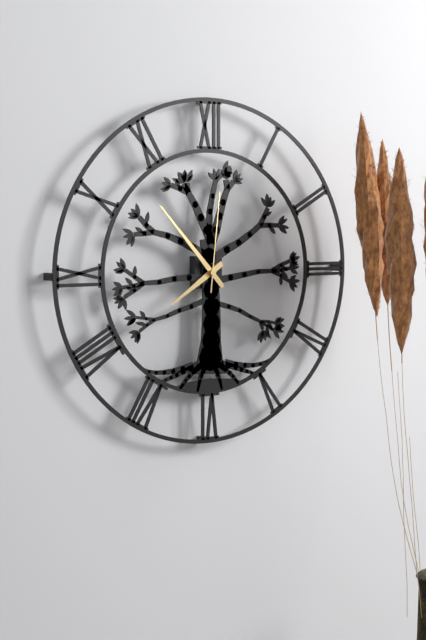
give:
7.53.01
